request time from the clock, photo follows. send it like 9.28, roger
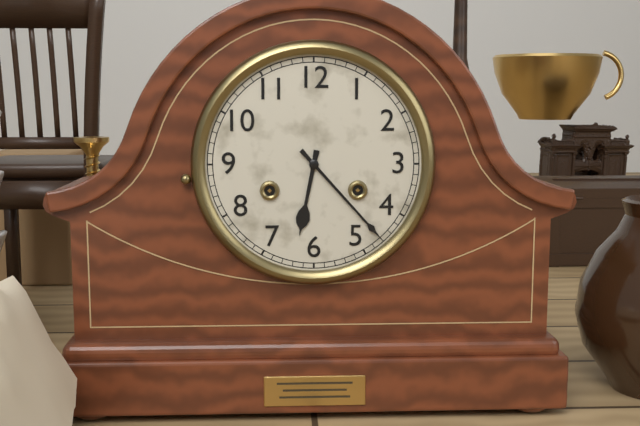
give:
6.23
